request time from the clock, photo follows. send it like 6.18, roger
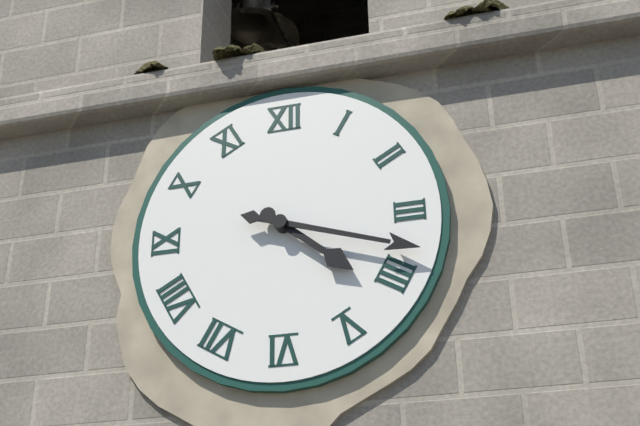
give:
4.18
